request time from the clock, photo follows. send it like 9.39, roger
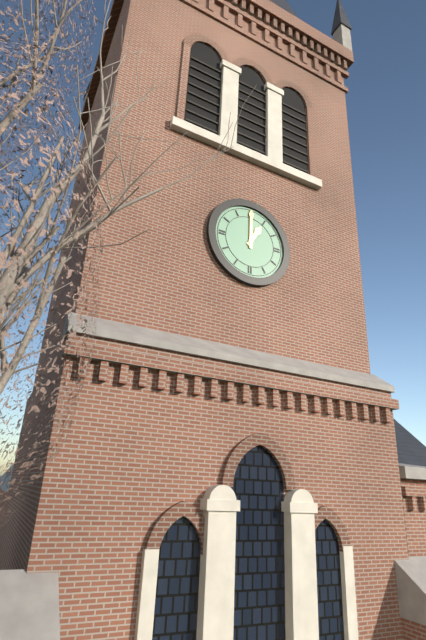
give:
1.00
